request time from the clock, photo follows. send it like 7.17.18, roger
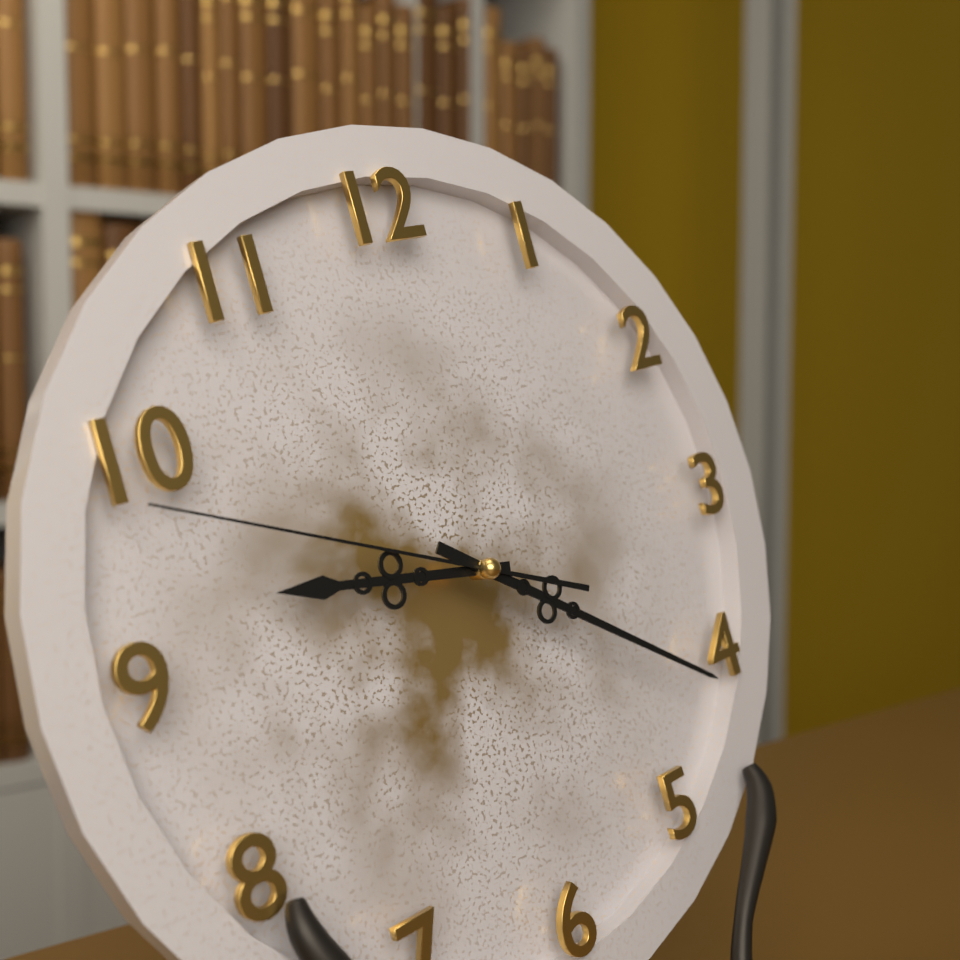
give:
9.21.49
